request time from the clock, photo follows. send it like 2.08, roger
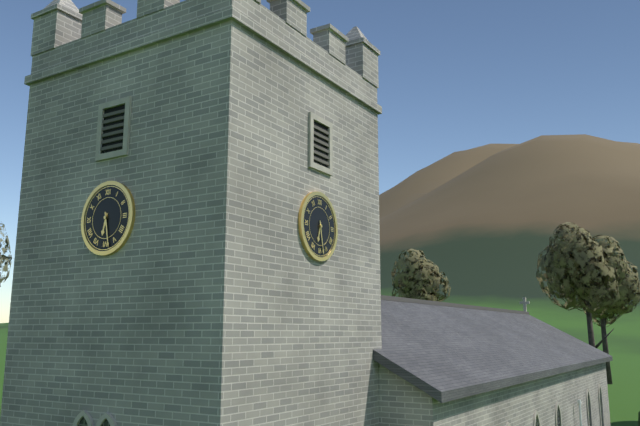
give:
6.28
